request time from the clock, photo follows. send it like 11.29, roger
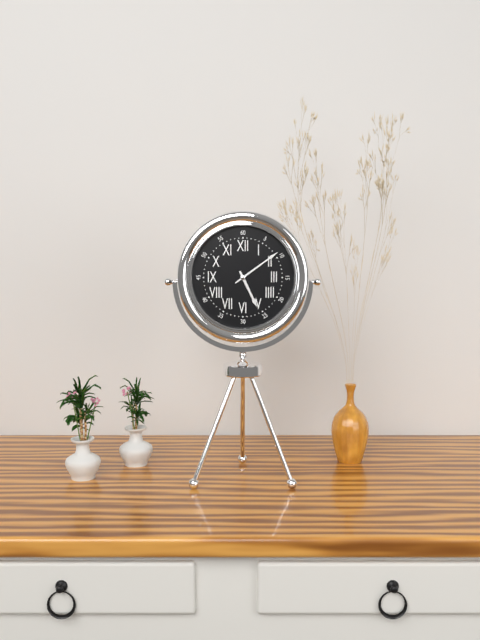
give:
5.09
